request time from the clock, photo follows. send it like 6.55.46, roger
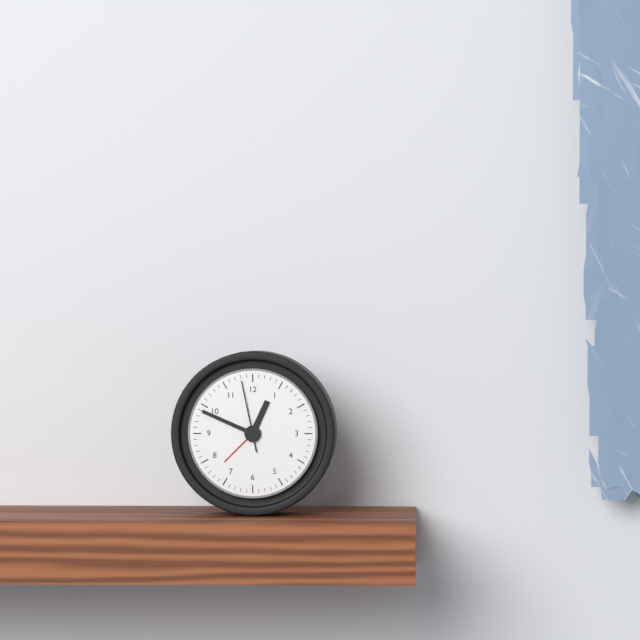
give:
12.49.58
